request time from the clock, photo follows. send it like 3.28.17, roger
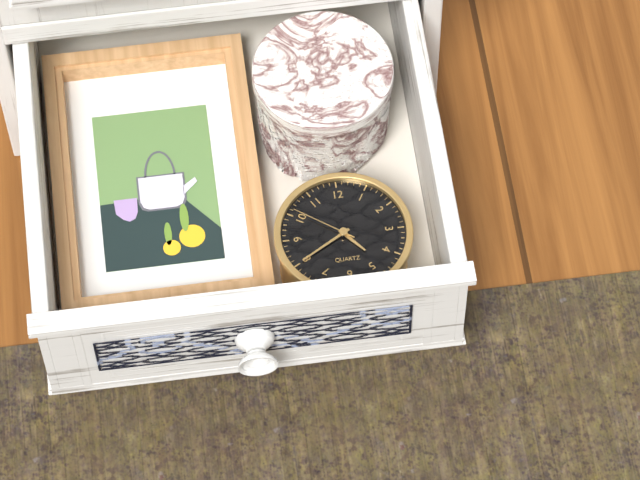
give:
4.40.51
